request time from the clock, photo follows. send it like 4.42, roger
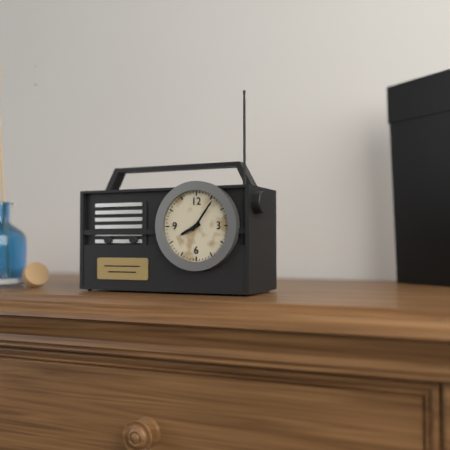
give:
8.06
